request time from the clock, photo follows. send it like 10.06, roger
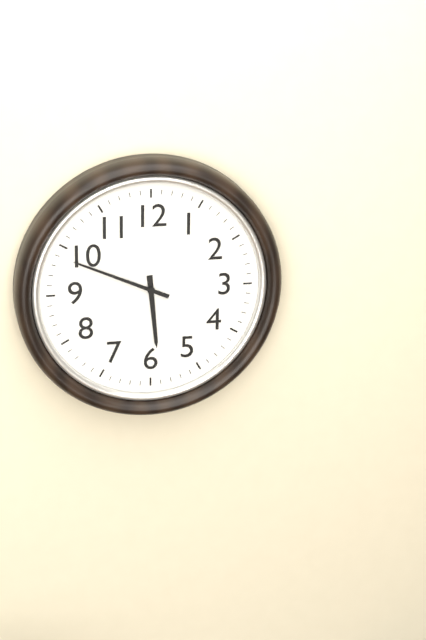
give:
5.49
